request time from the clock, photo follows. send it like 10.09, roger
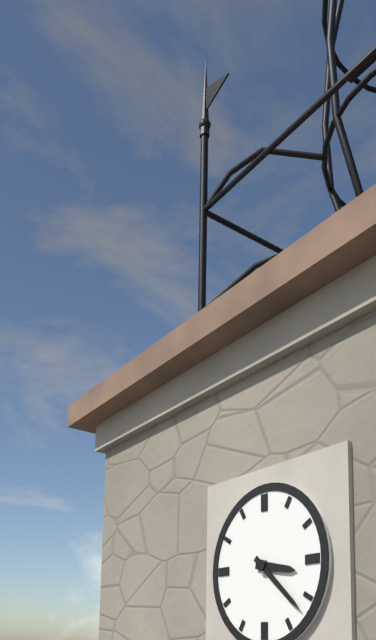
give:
3.22
